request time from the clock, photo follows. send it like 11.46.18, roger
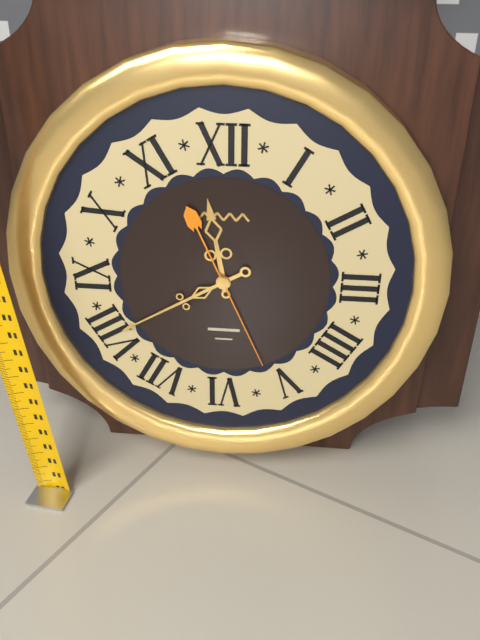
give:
11.40.26
